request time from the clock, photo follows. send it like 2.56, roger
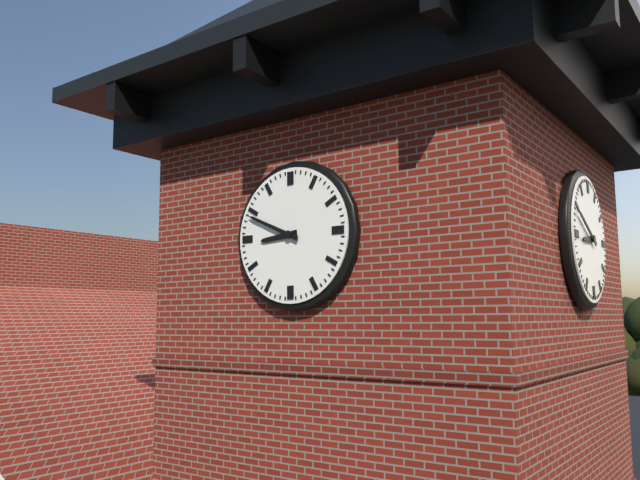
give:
8.49
